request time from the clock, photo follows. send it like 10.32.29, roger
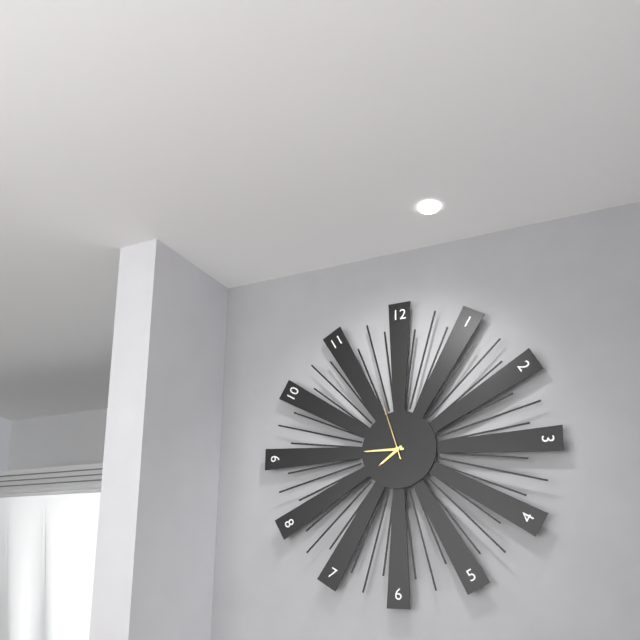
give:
7.45.57
